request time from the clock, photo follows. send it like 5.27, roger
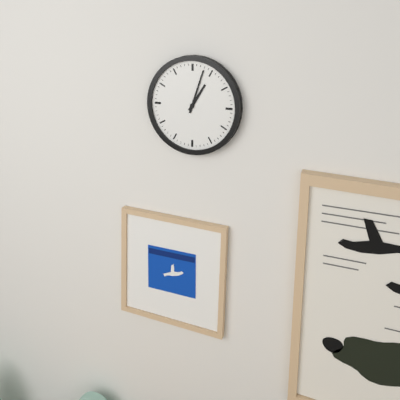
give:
1.03
